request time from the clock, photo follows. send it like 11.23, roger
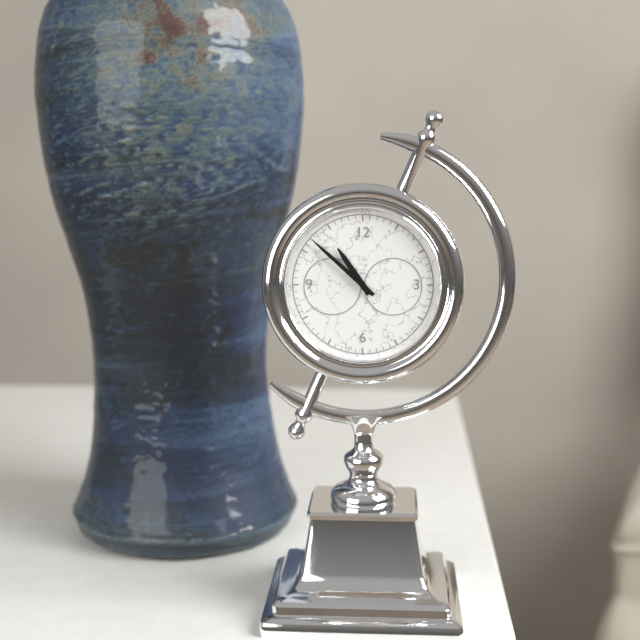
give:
10.52
